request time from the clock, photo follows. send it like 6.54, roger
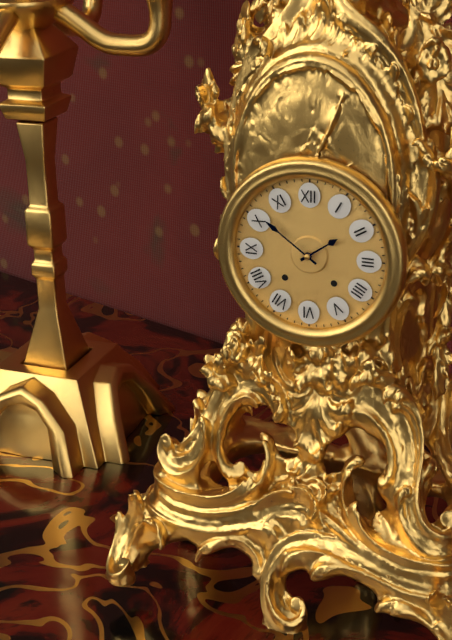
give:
1.51
